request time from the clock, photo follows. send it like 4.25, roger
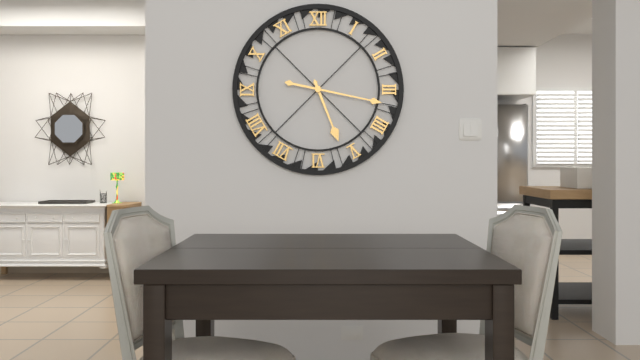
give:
5.17
